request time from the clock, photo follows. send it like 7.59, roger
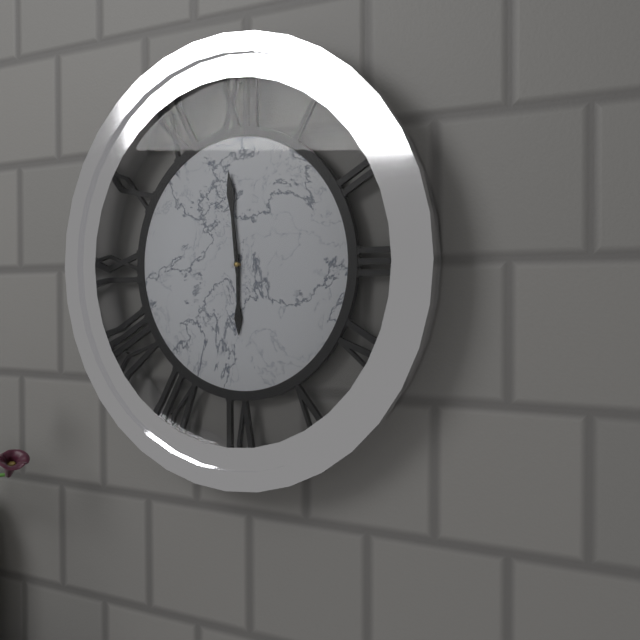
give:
5.59
